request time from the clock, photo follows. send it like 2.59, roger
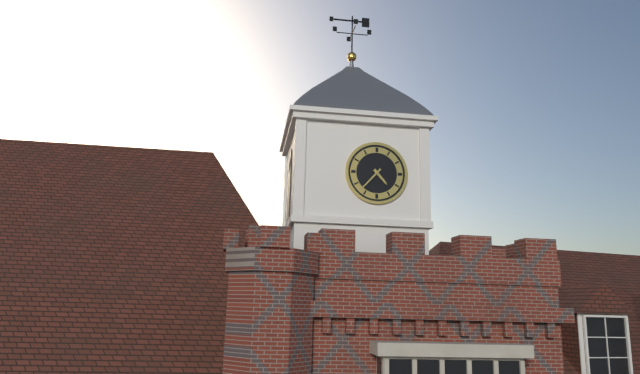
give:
4.37
